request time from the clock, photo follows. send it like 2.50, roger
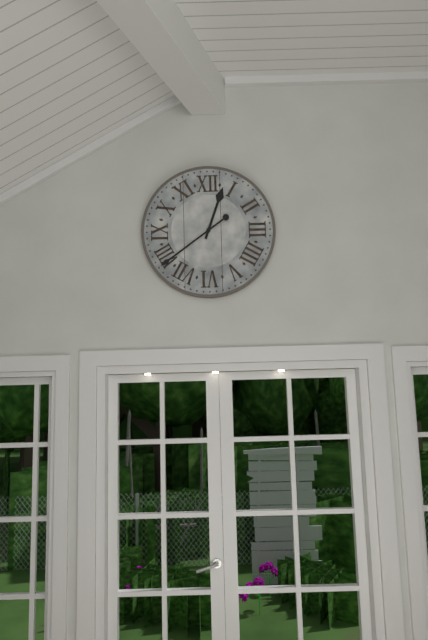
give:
12.39
